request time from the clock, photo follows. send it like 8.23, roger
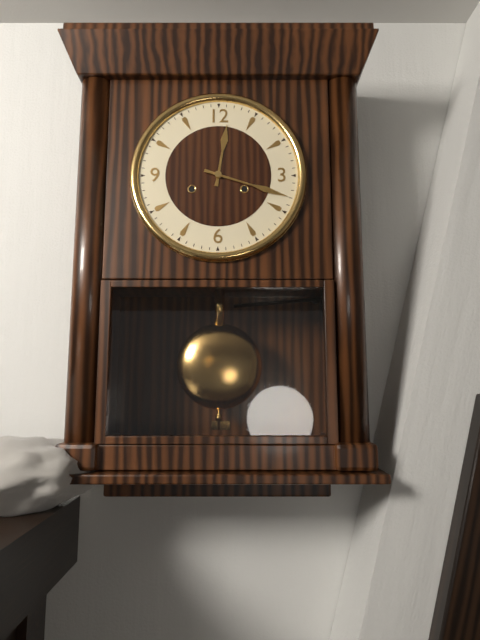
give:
12.18
